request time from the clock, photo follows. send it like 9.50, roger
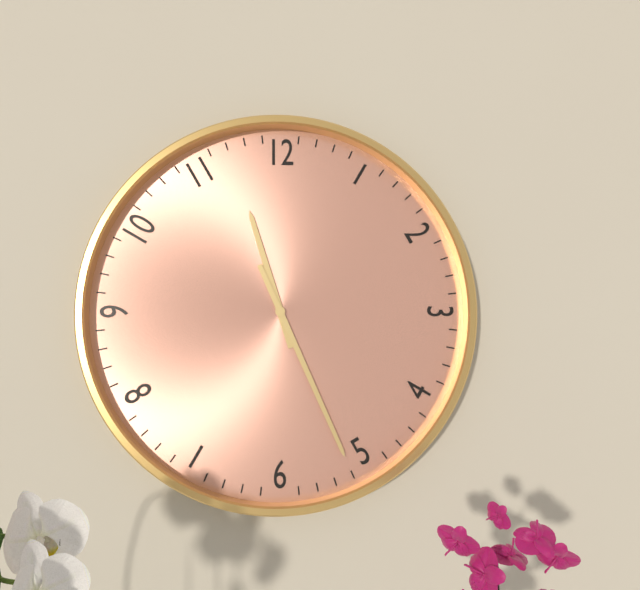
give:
11.26
